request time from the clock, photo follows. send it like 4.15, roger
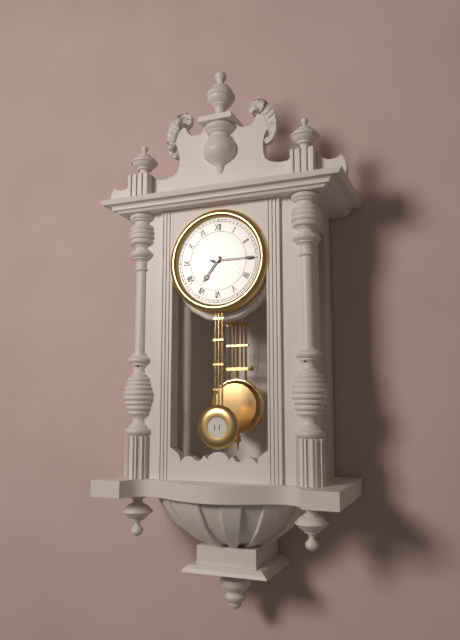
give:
7.15
